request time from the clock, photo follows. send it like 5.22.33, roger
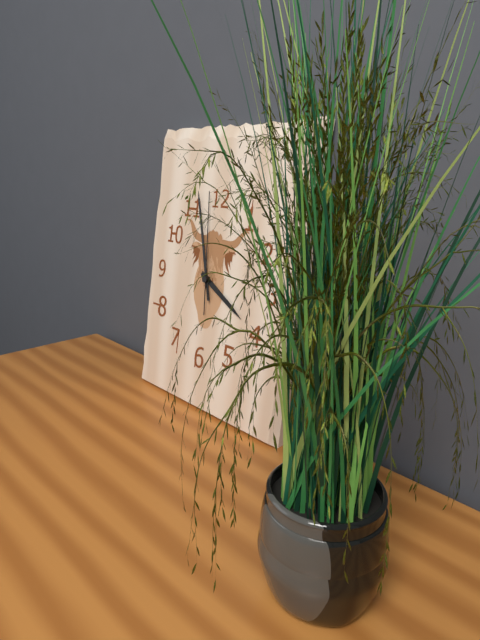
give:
3.57.59
